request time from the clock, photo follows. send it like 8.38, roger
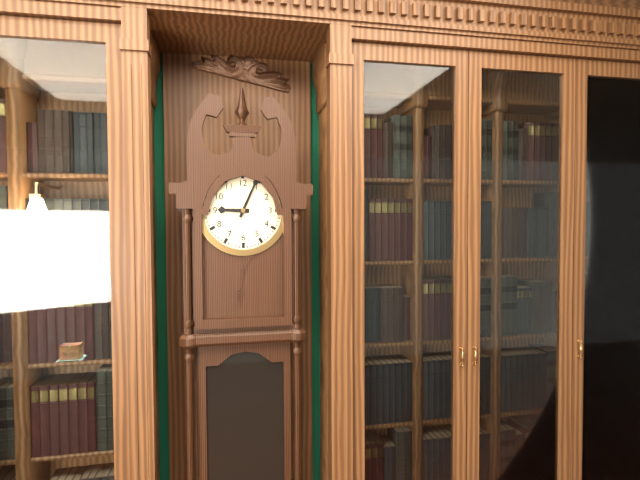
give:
9.04
